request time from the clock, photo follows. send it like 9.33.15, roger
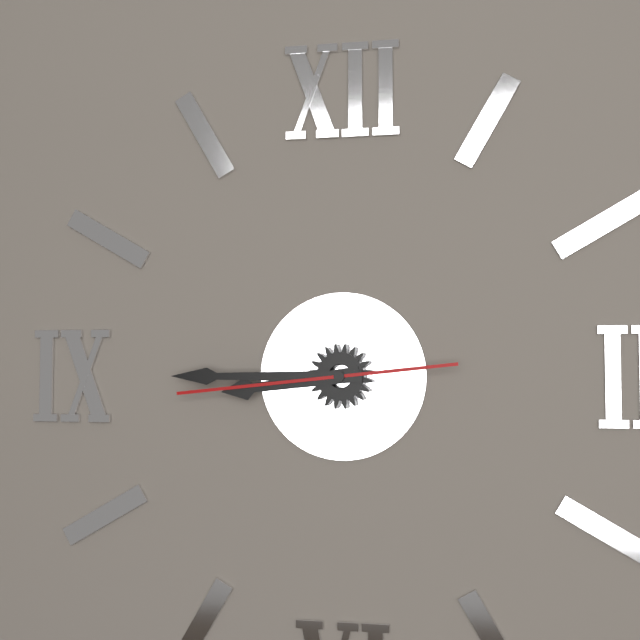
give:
8.45.44
